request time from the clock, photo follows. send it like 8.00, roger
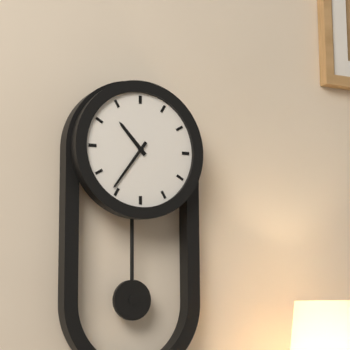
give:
10.36
